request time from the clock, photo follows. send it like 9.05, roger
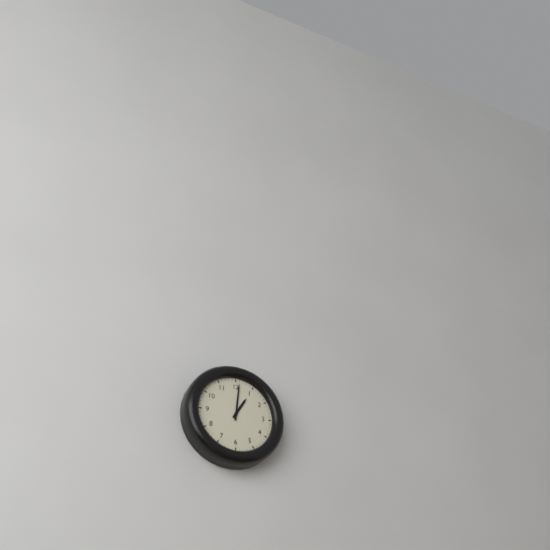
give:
1.01
